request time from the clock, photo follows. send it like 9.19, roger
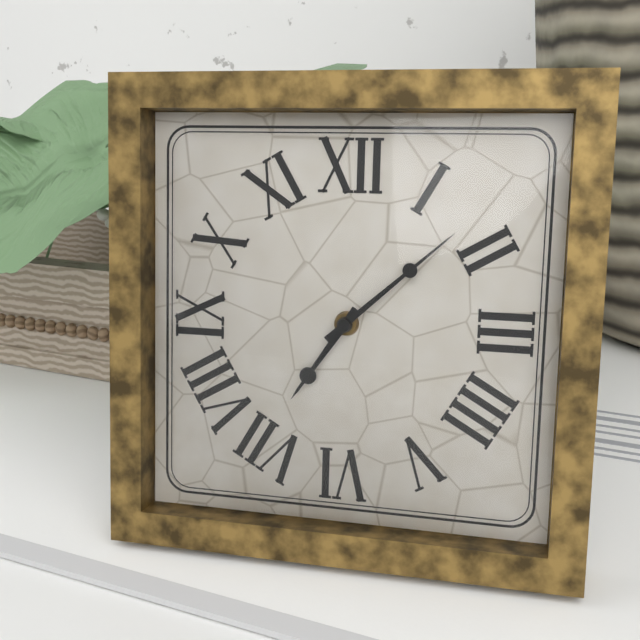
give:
7.08
